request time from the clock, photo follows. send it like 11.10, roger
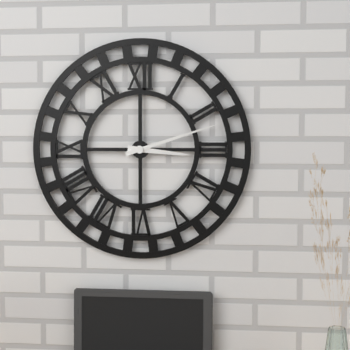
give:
3.12
